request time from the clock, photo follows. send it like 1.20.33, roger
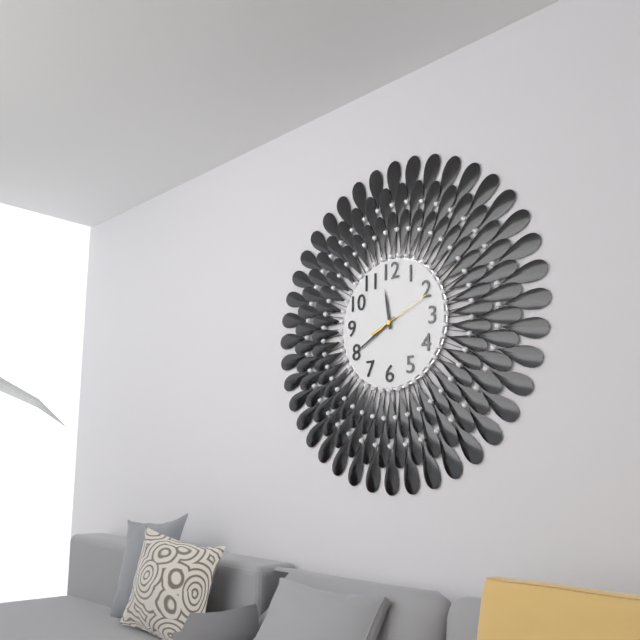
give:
11.40.11
